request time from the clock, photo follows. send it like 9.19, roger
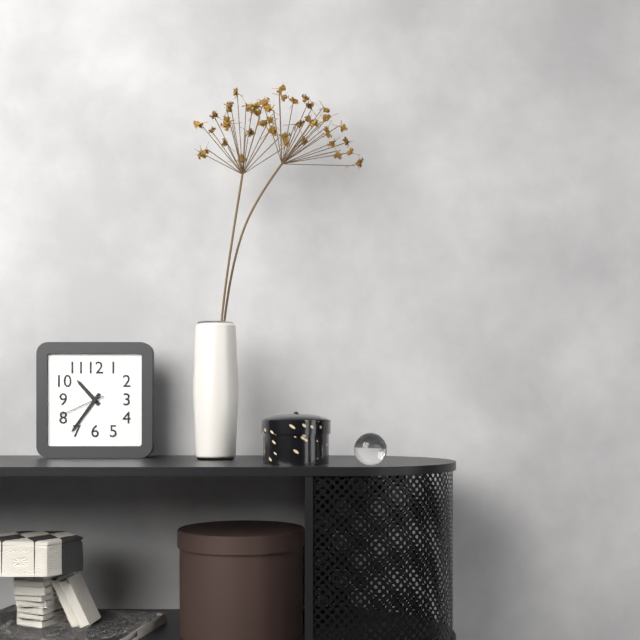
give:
10.36
